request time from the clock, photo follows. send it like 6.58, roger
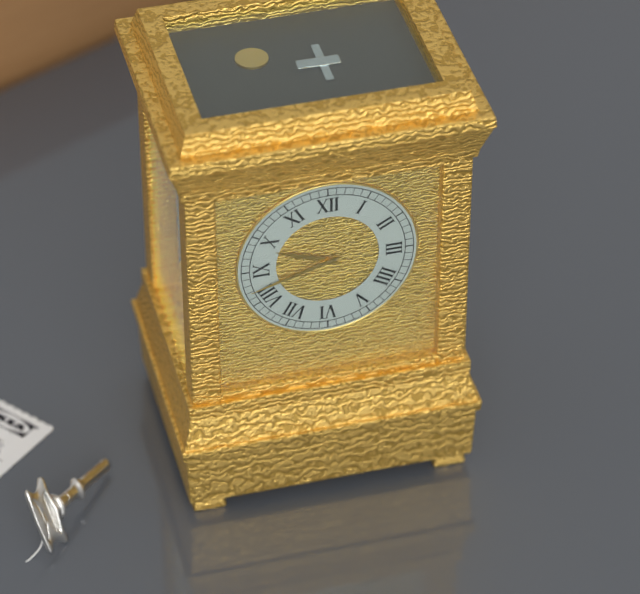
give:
9.42
